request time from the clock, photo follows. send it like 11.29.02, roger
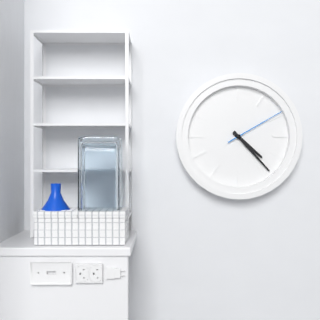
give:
4.23.10
